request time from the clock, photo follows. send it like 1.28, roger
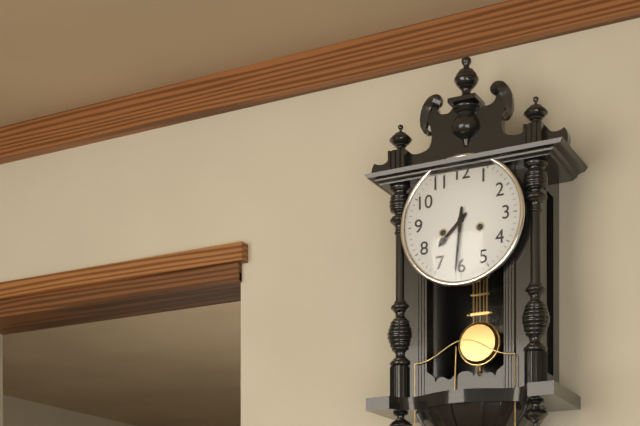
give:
7.31
